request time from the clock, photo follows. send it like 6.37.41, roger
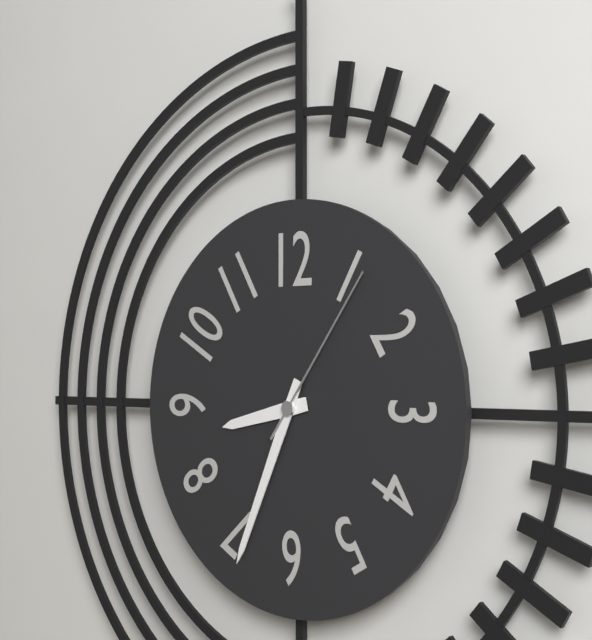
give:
8.34.06
